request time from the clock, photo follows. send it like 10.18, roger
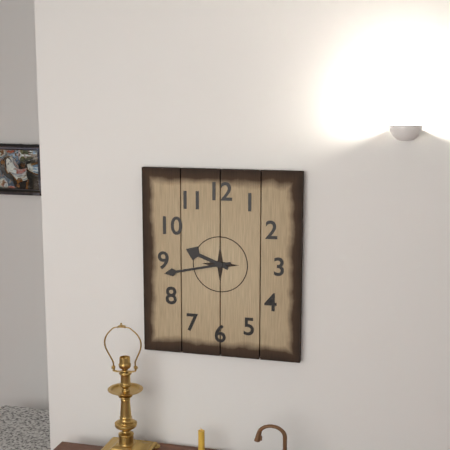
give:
9.43
